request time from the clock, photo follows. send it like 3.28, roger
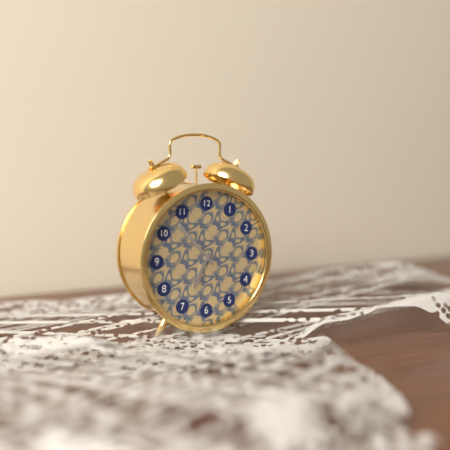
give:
6.53
